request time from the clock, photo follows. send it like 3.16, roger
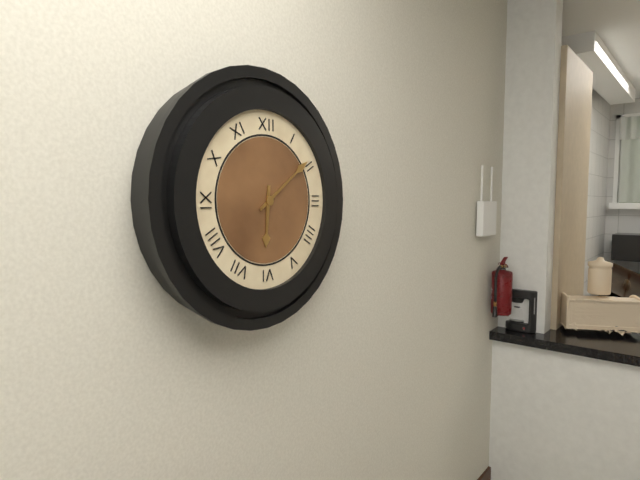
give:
6.09
